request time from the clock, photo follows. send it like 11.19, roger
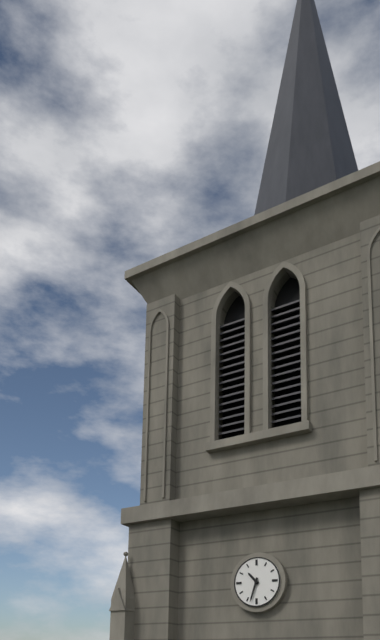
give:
10.33
